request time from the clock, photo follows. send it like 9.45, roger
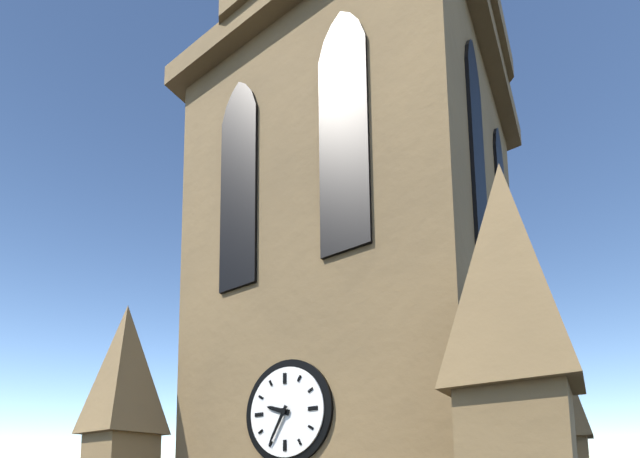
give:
9.35
